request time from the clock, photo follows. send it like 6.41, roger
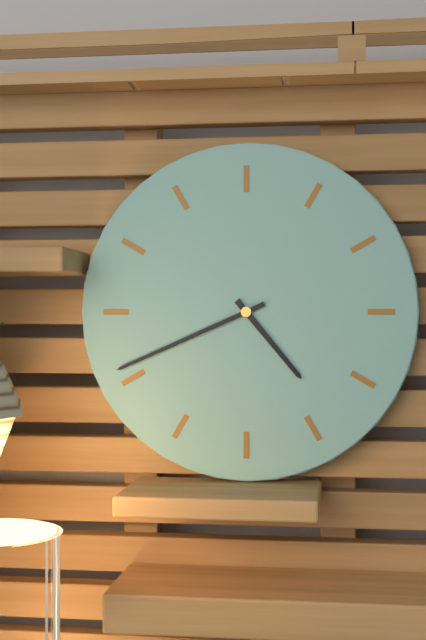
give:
4.41
